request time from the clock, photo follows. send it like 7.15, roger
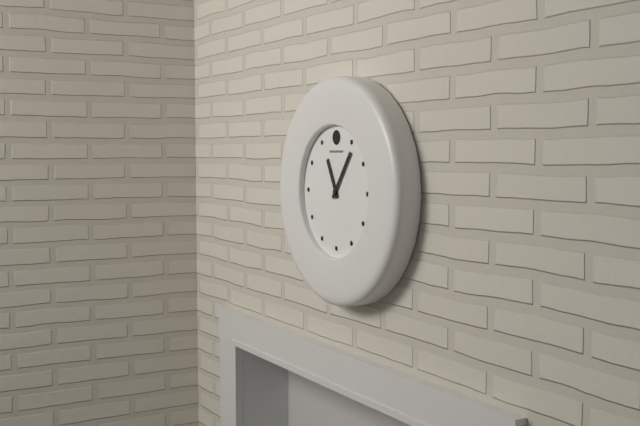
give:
11.06
